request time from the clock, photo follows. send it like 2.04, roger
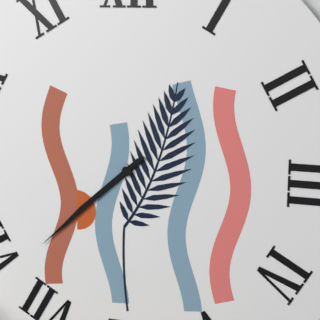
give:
7.38
